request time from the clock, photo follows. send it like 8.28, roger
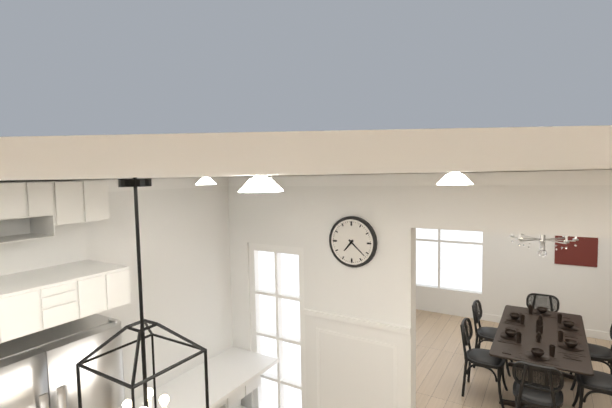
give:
7.22
